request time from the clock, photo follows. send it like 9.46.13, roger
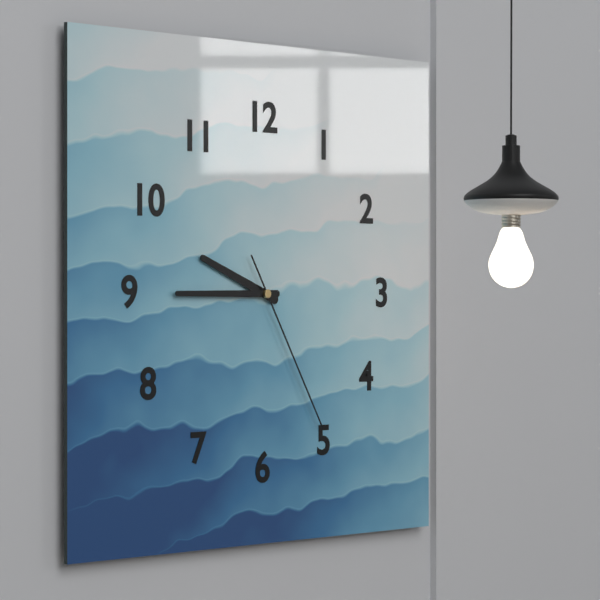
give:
9.45.25
